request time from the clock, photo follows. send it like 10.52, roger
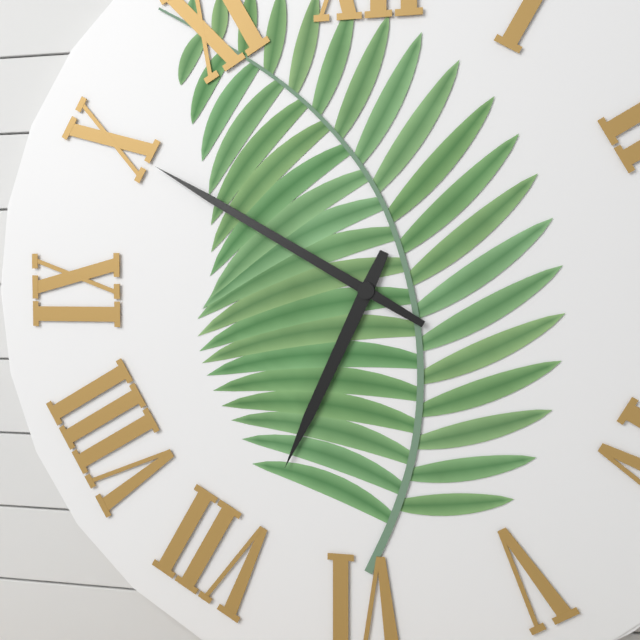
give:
6.50
